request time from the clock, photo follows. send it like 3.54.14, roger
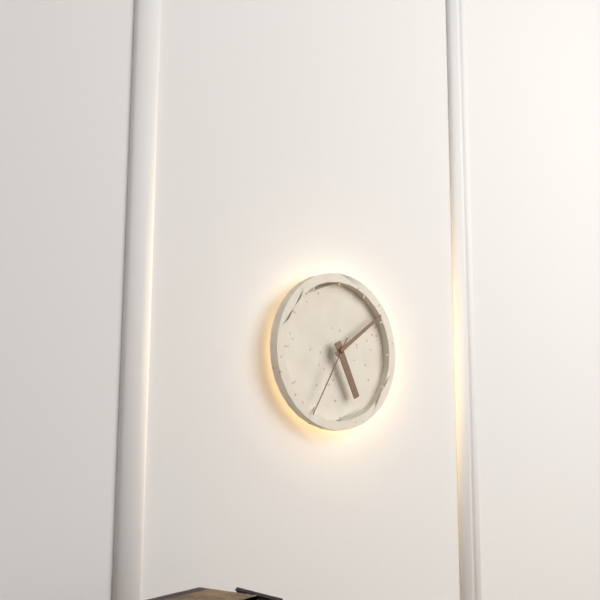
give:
5.09.35
